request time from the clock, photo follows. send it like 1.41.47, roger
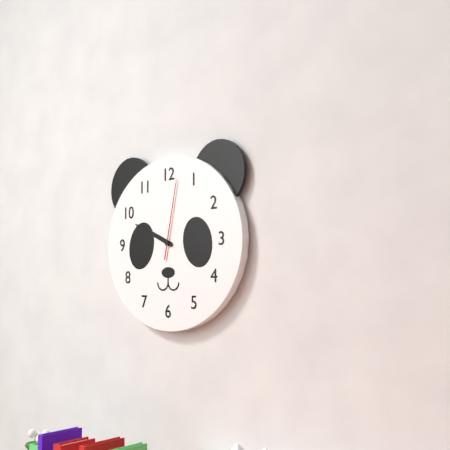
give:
9.49.02
